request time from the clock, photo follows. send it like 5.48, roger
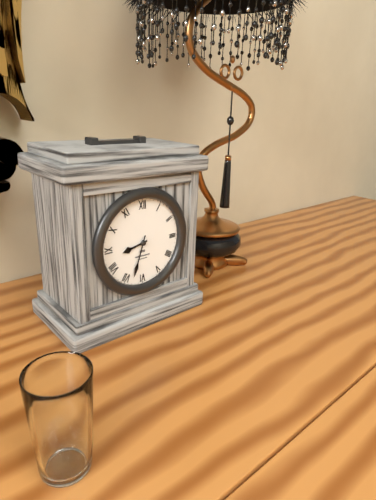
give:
8.33
